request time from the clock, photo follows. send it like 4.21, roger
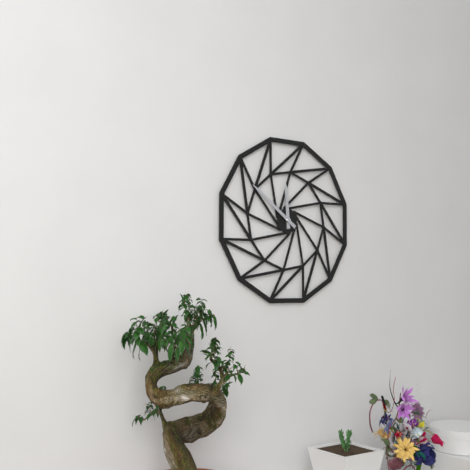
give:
11.51
